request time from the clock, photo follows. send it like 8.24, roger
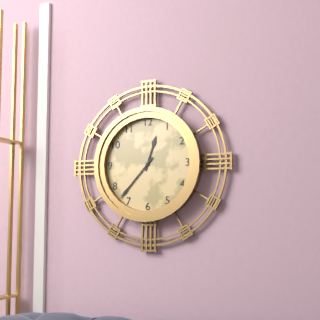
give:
12.37
